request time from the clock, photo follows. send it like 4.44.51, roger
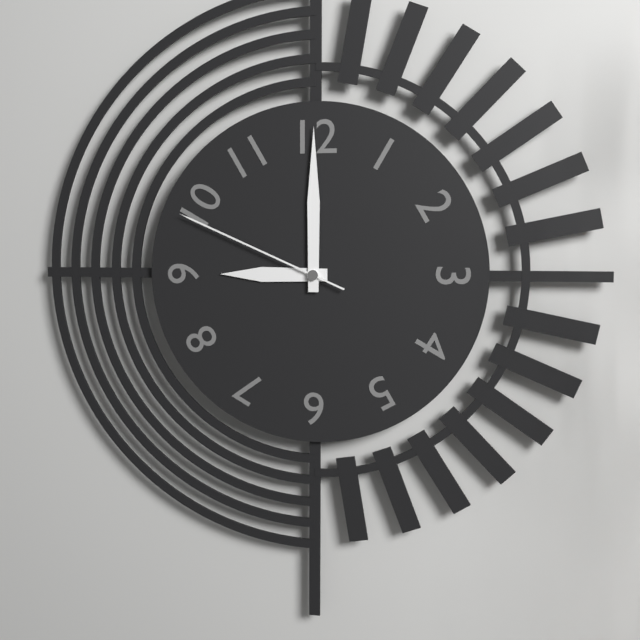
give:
9.00.49
